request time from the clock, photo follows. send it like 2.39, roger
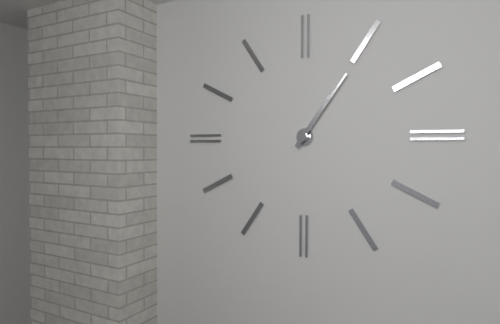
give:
1.06
